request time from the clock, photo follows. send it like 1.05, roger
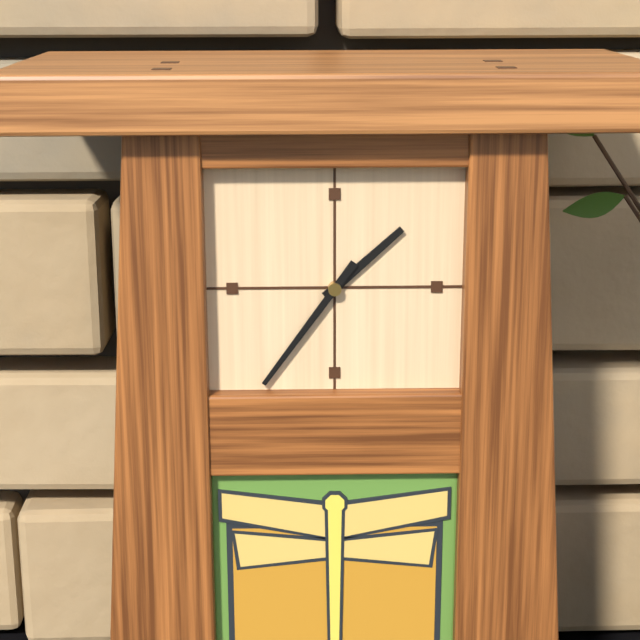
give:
1.36
